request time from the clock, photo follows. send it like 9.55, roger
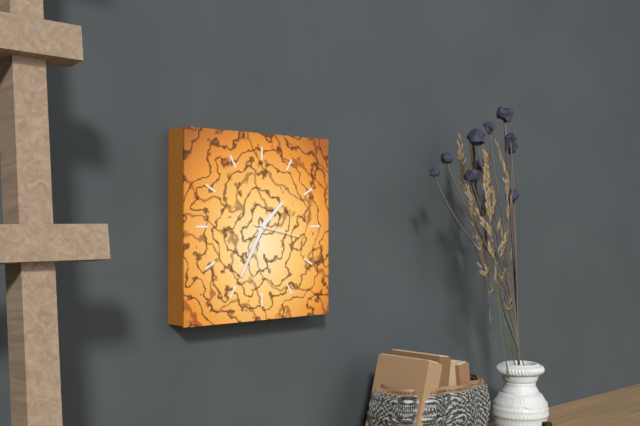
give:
1.35
